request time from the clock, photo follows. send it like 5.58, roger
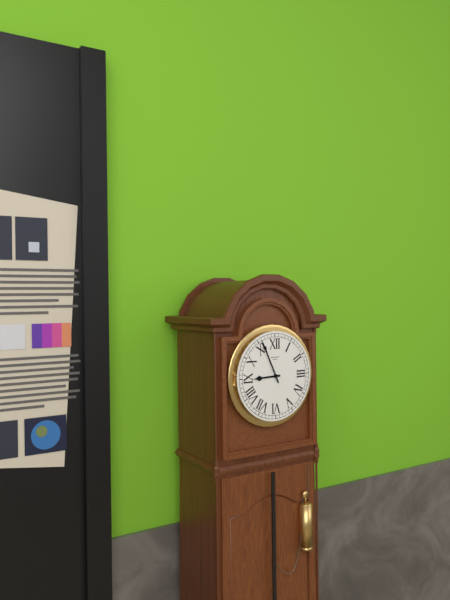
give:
8.56
